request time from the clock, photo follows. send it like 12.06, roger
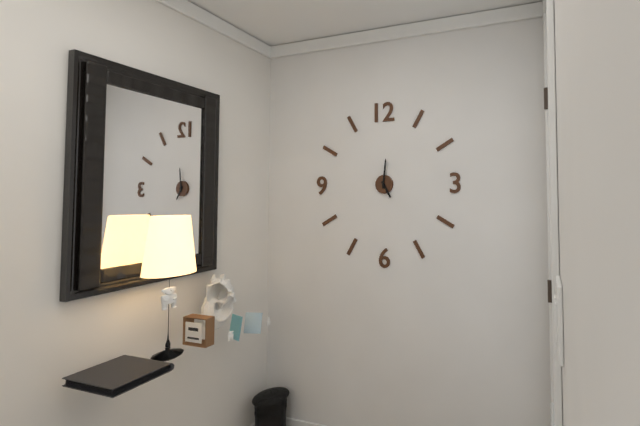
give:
5.01
